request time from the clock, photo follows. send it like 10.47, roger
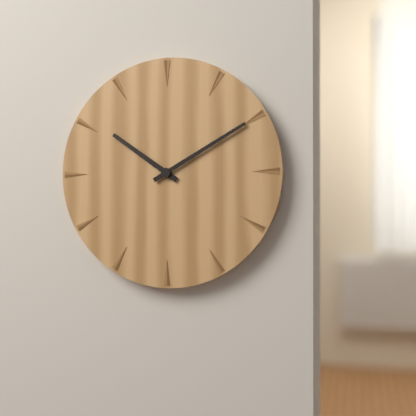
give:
10.10
